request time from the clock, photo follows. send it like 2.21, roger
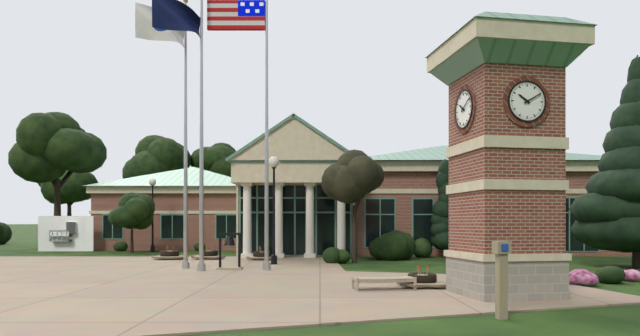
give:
10.10
